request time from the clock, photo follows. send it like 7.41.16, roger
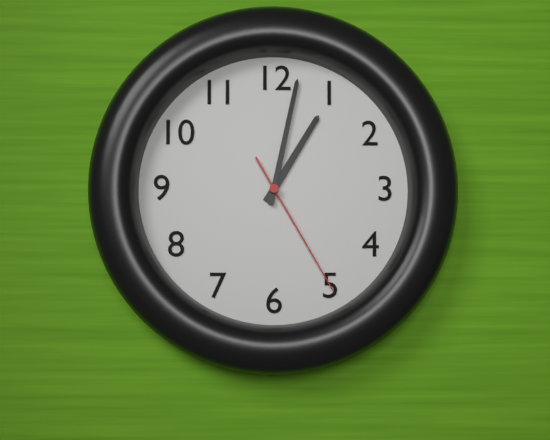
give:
1.02.25
